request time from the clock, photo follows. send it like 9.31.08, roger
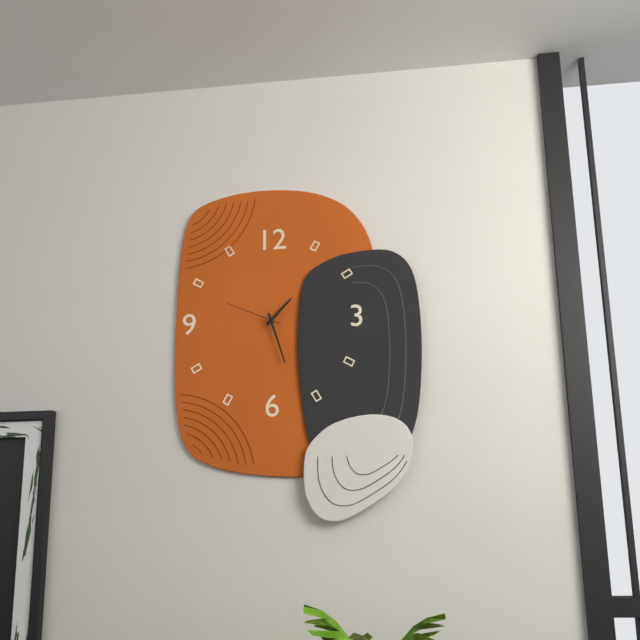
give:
1.27.49
